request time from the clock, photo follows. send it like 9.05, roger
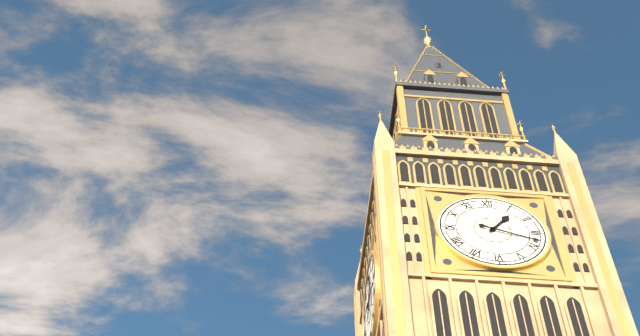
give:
1.18
